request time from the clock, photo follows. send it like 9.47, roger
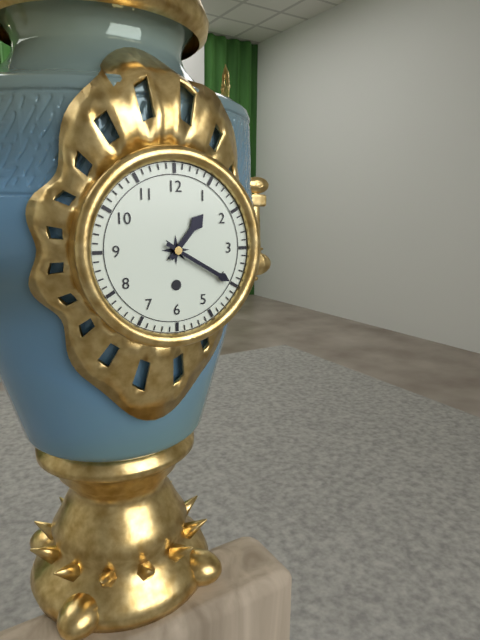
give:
1.20
